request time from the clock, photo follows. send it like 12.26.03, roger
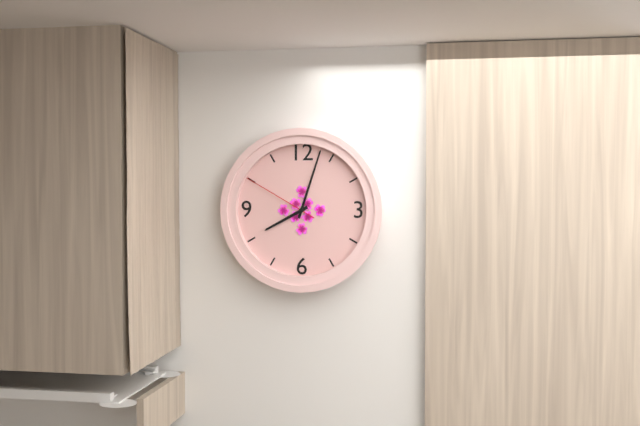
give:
8.03.50
